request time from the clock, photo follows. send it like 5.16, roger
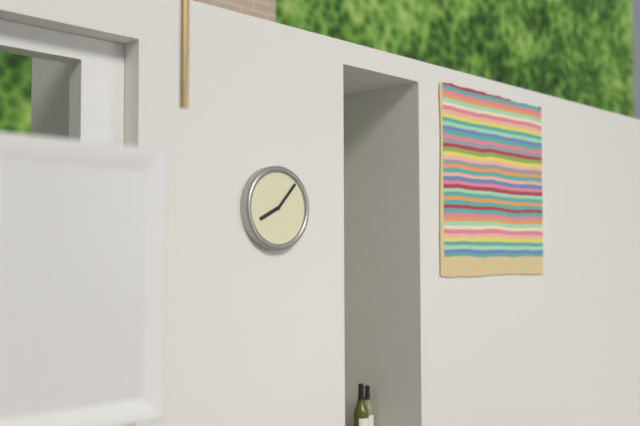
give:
8.07
